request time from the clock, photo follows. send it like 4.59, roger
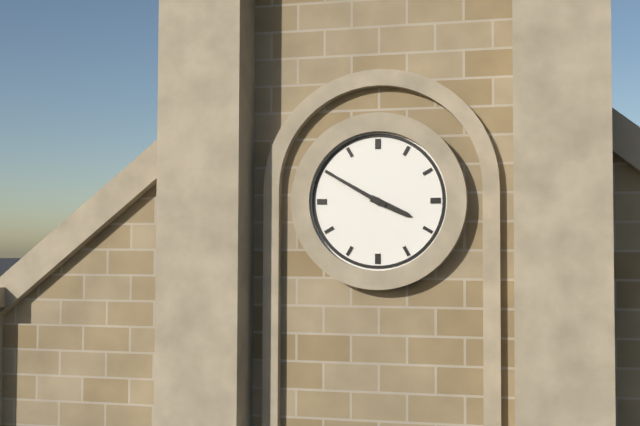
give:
3.50
